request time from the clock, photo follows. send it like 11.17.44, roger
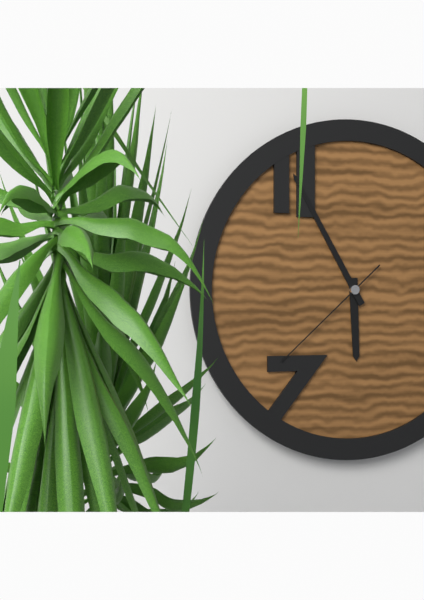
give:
5.55.38
